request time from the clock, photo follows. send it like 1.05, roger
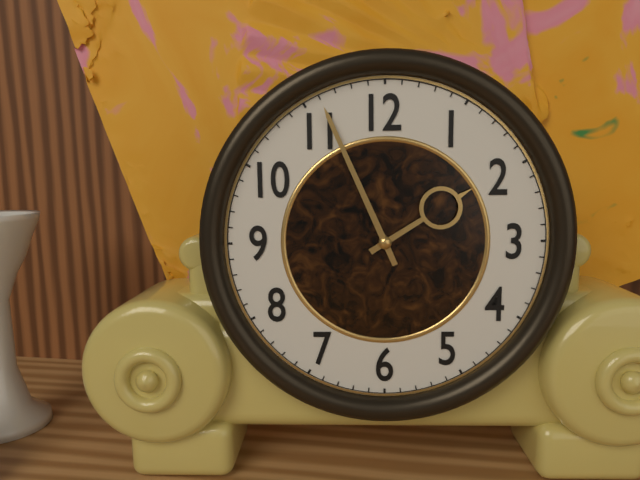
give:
1.56
